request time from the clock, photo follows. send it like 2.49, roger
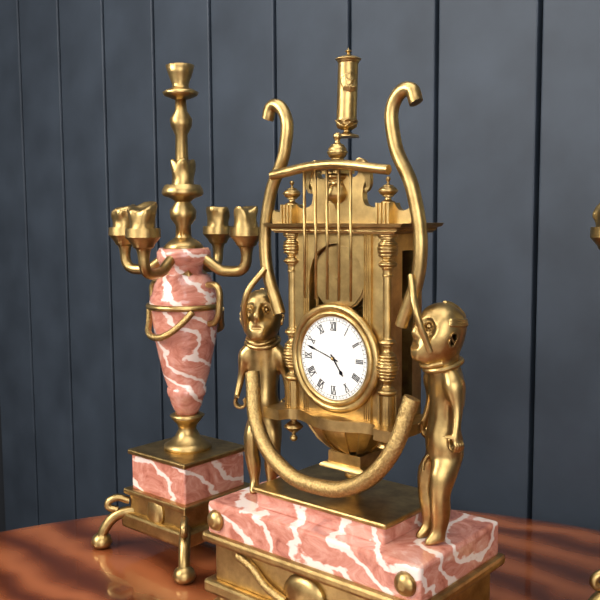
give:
4.48
